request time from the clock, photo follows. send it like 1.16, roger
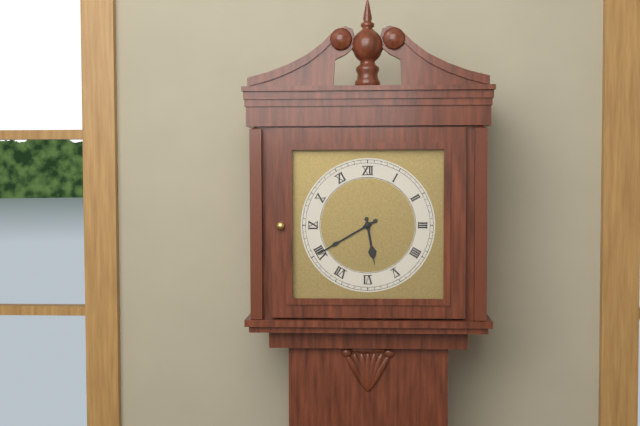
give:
5.40
